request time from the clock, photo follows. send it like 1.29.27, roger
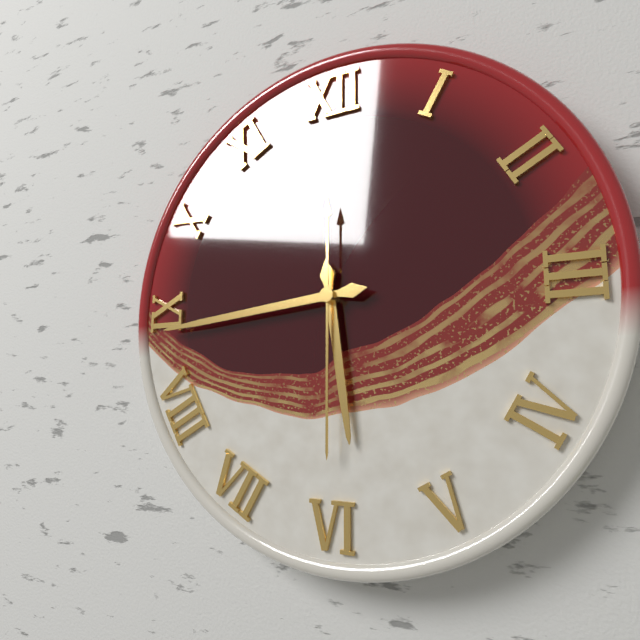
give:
5.44.30
